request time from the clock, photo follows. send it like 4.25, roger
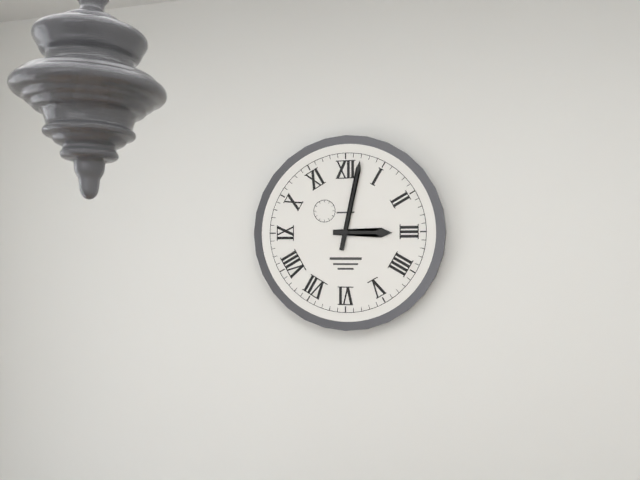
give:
3.02
